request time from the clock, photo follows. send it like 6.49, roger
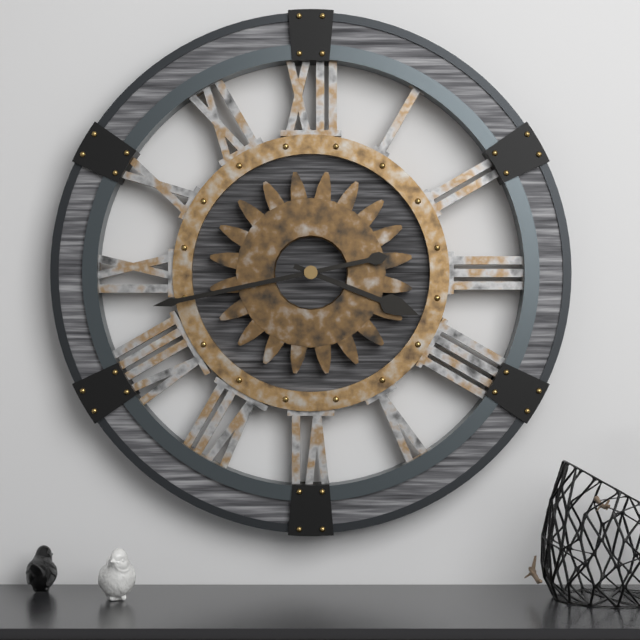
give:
3.43
